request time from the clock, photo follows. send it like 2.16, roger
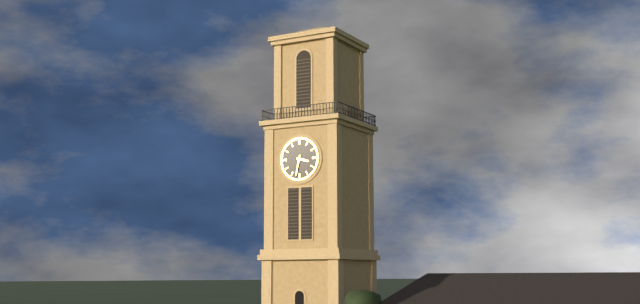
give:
3.32
